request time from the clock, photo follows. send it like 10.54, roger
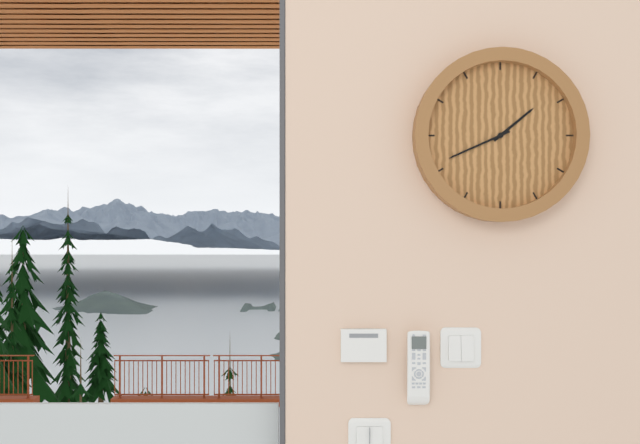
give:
1.41
